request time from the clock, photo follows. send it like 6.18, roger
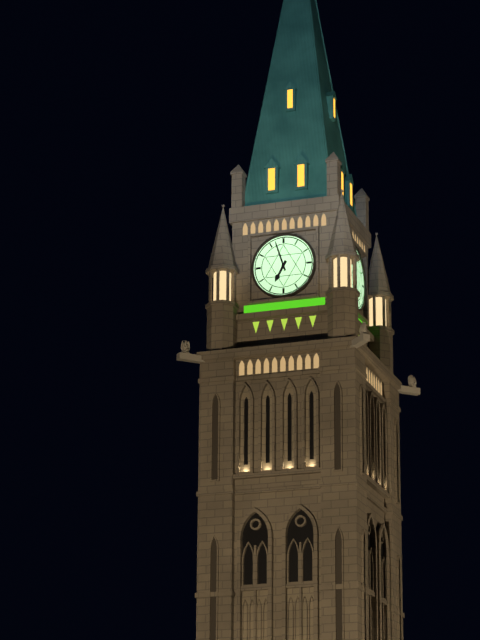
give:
6.57
